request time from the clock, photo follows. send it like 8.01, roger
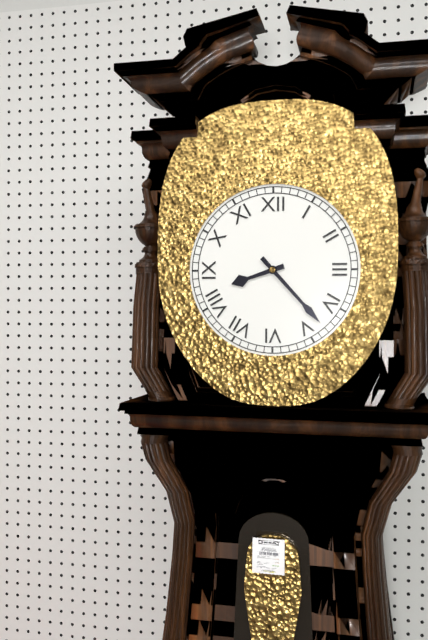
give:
8.23
